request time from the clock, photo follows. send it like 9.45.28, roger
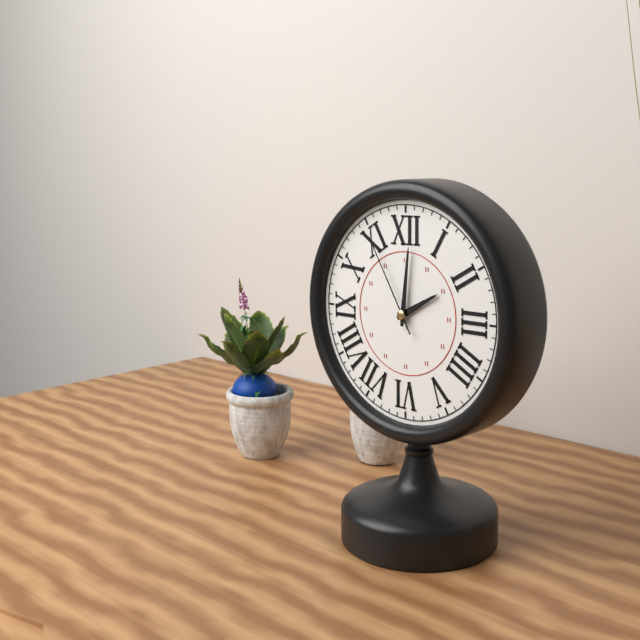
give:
2.01.55
